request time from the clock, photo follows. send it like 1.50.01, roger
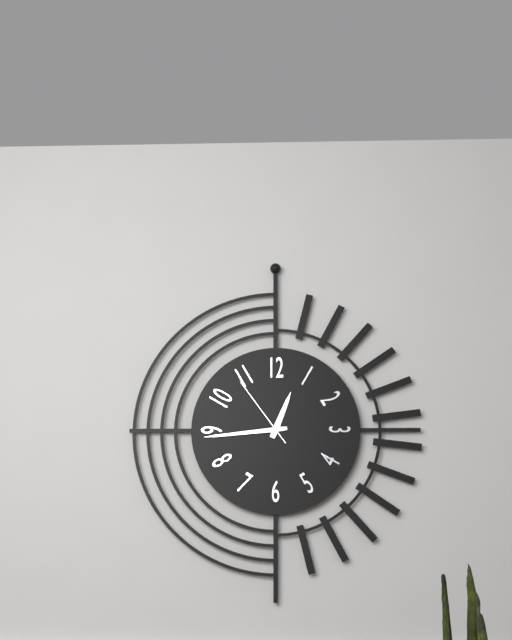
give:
12.44.54
